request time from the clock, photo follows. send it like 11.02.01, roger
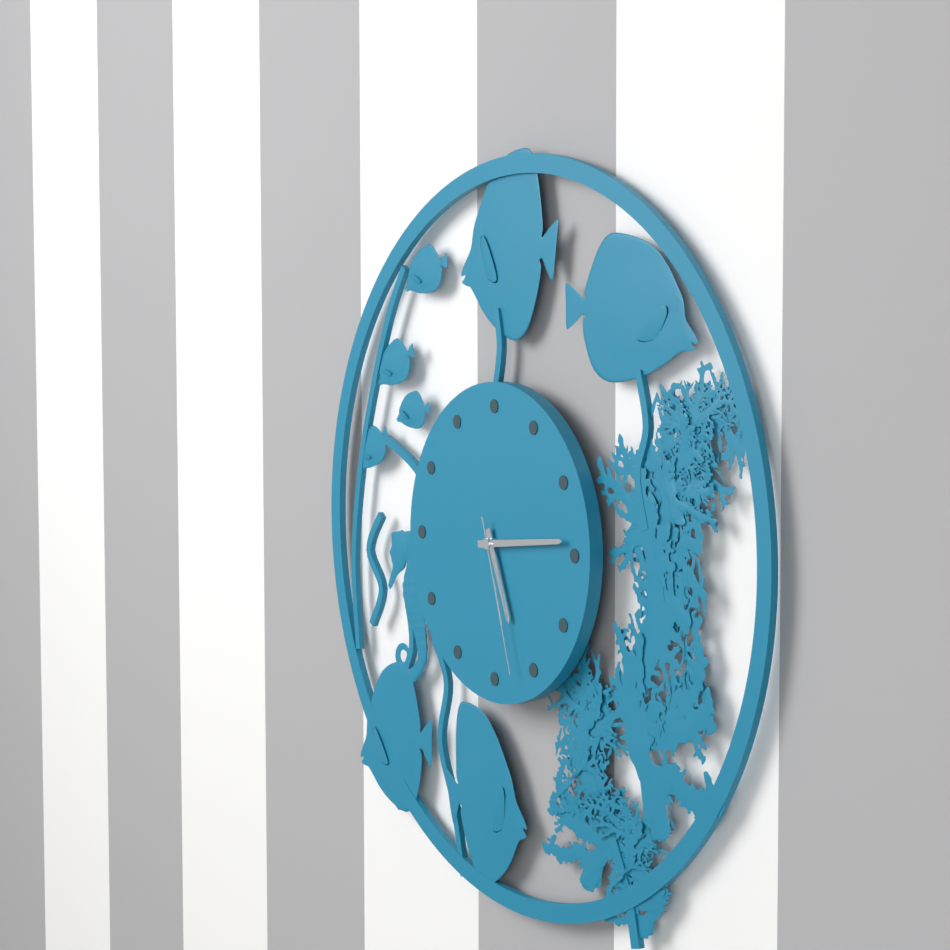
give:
5.14.27
